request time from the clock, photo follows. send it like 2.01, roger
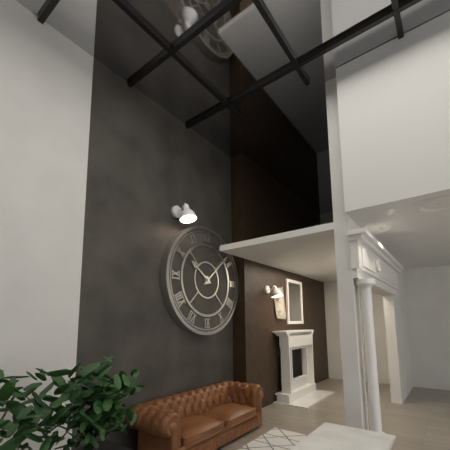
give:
10.08
